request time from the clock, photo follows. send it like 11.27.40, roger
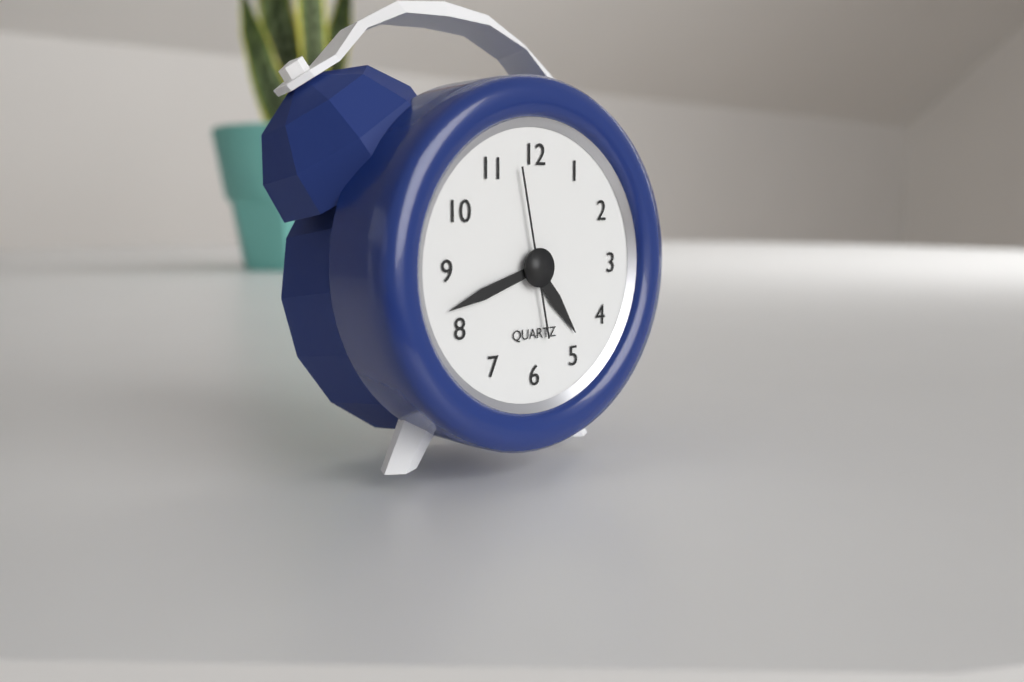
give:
4.42.58
